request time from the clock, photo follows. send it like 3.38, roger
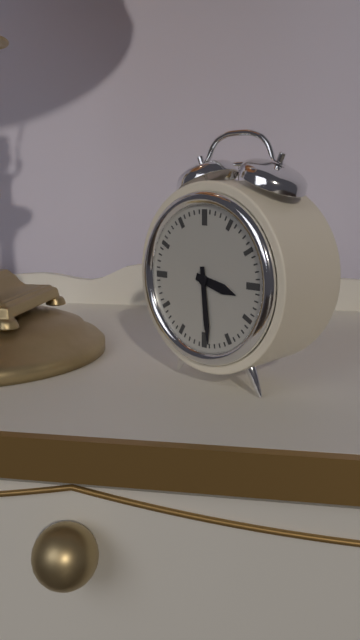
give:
3.29
